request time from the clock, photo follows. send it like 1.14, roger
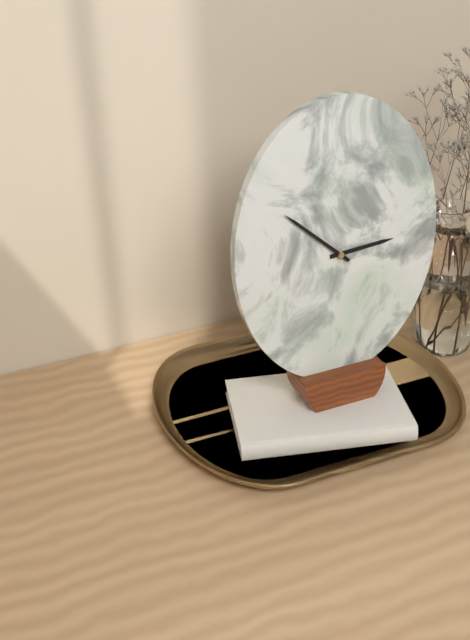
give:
2.52
